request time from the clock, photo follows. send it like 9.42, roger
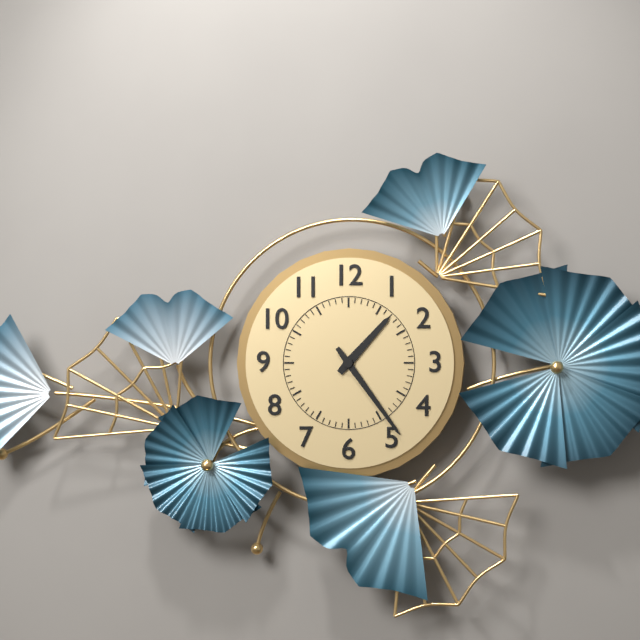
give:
1.24
